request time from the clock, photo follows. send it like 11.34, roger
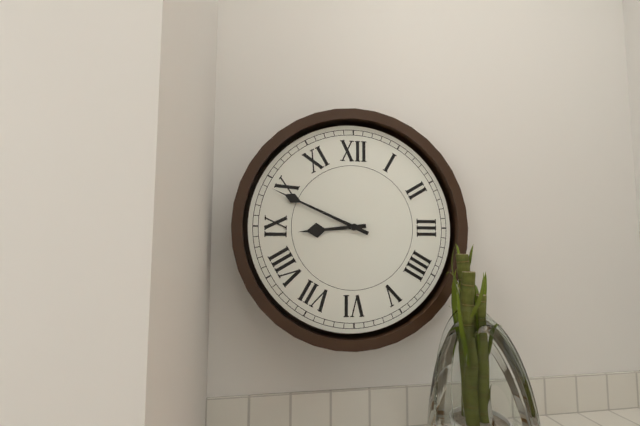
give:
8.49
